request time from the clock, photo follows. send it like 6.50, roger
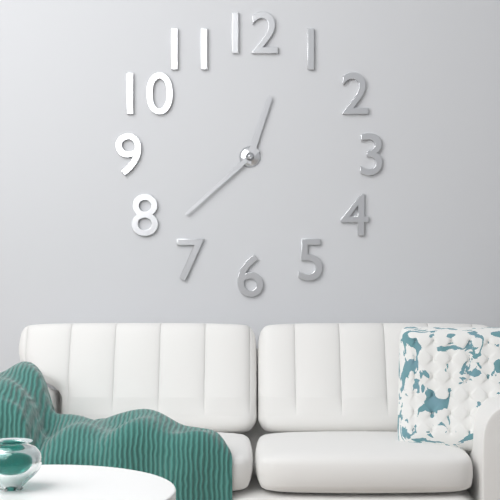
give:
12.38
